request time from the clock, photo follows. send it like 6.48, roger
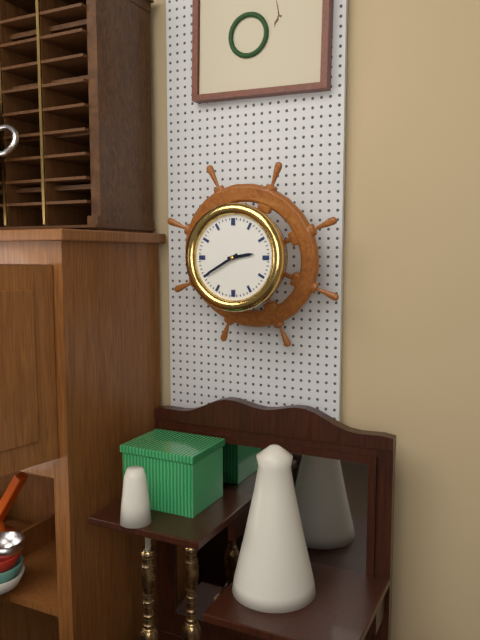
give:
2.40
